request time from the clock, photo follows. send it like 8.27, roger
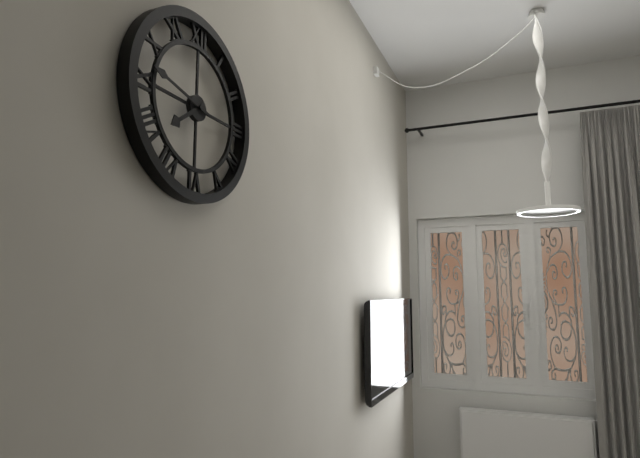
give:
7.47
